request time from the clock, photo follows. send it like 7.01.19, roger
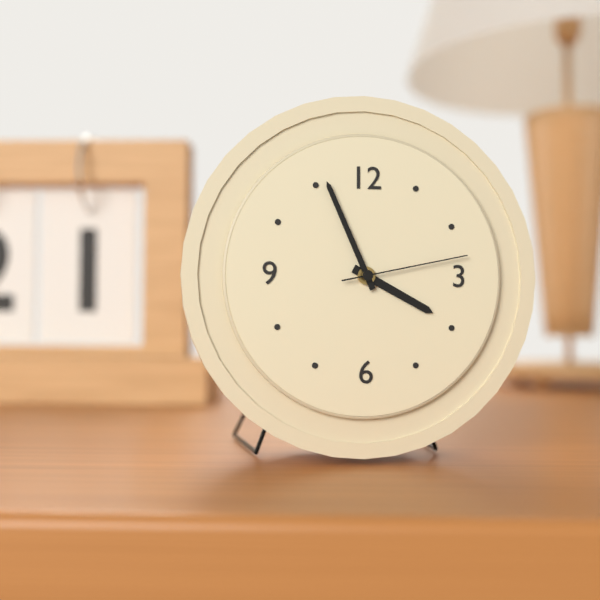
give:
3.56.13
